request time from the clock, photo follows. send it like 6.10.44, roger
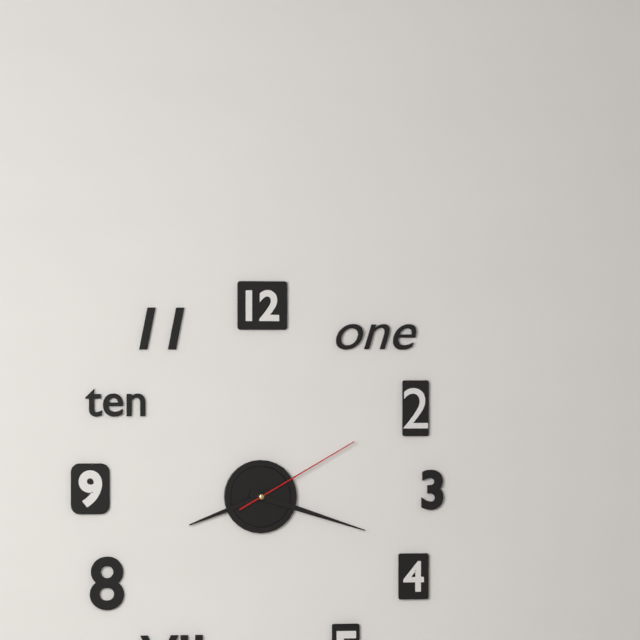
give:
8.18.10
